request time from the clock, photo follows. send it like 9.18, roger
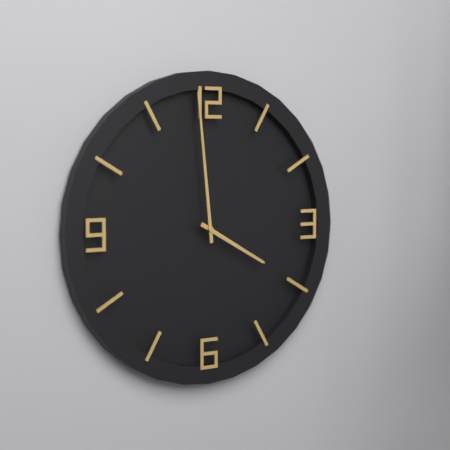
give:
3.59
